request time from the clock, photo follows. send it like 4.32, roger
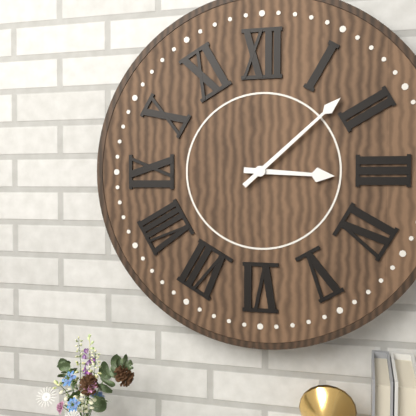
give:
3.08
